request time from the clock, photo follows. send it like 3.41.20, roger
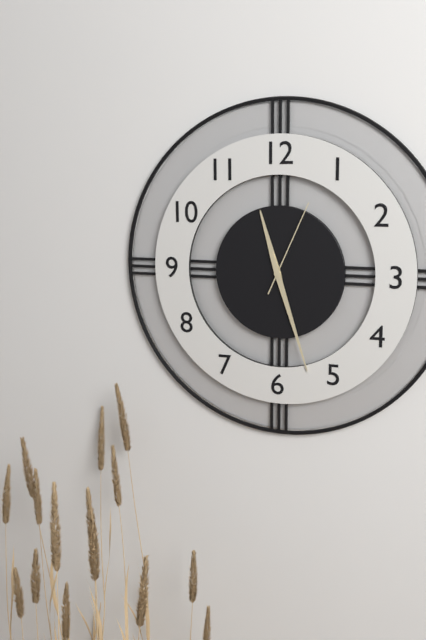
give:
11.27.04
